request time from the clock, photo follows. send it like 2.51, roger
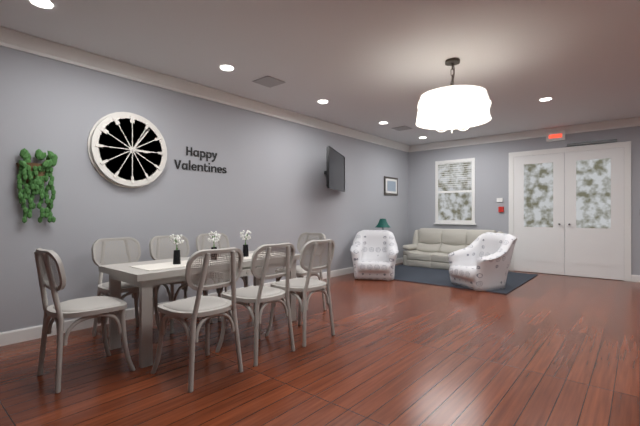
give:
3.06
